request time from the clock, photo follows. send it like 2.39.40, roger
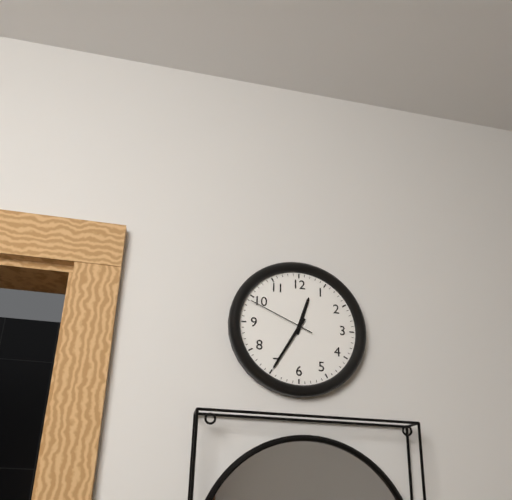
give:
12.35.49
